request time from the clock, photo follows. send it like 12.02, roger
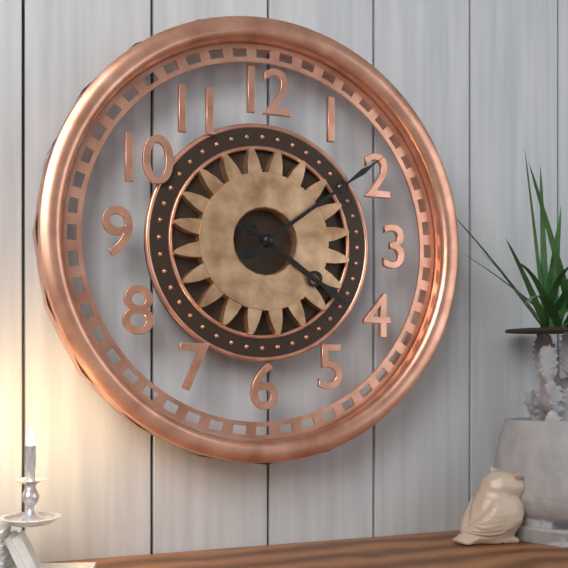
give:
4.09
